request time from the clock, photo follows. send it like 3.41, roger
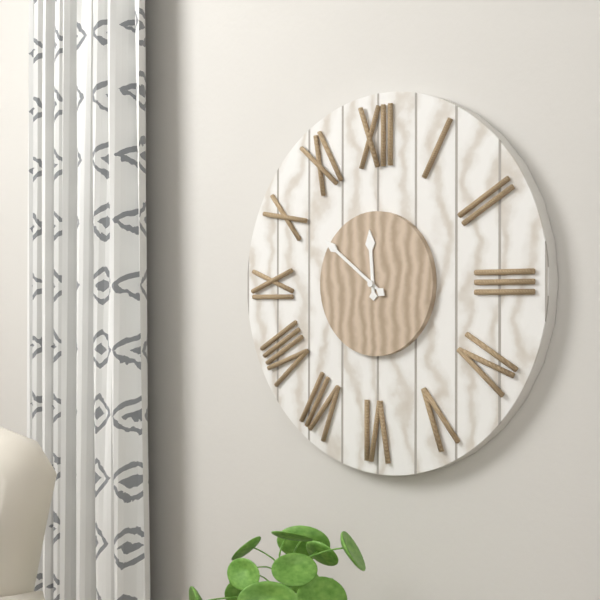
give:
11.51
